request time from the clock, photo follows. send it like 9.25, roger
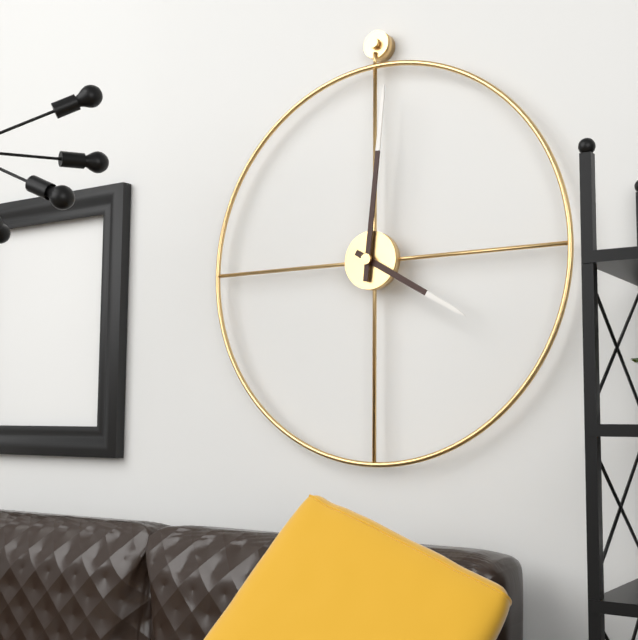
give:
4.01
